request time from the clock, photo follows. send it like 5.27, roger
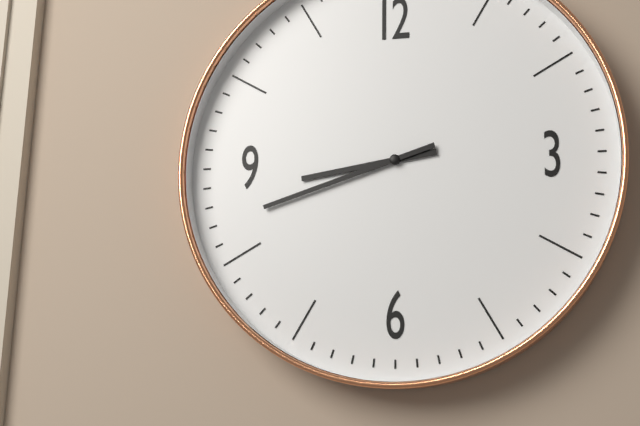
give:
8.42
